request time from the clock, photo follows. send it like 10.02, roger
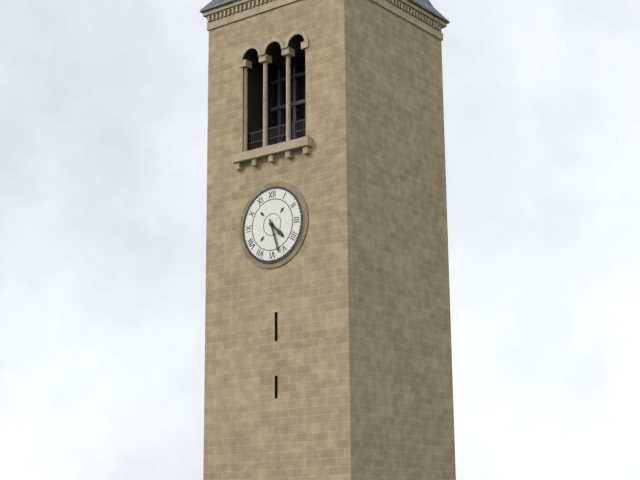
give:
4.27
